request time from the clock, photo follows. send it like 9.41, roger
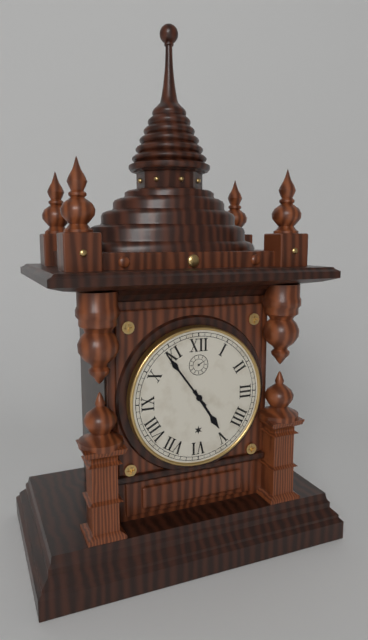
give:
4.54
